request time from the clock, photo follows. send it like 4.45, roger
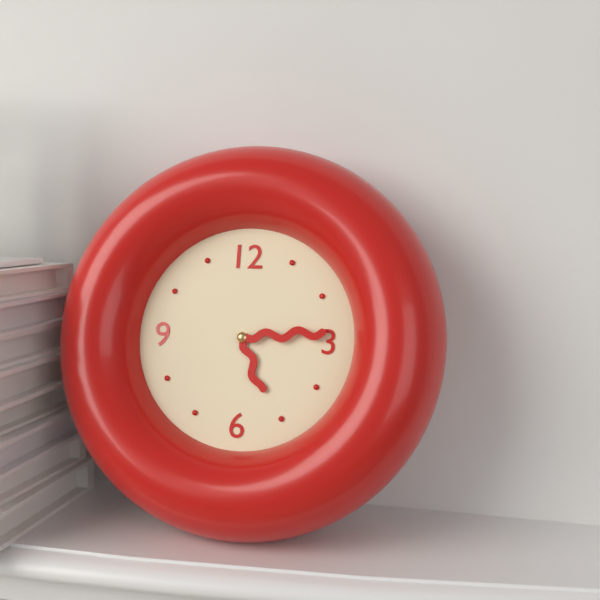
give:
5.14
